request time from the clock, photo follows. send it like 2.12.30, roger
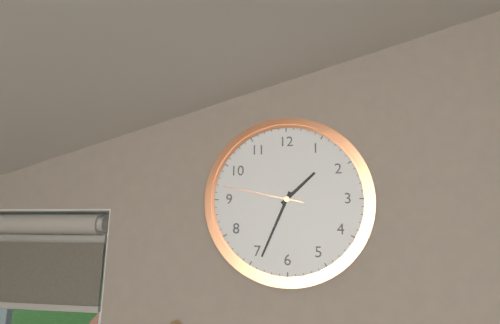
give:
1.34.47
